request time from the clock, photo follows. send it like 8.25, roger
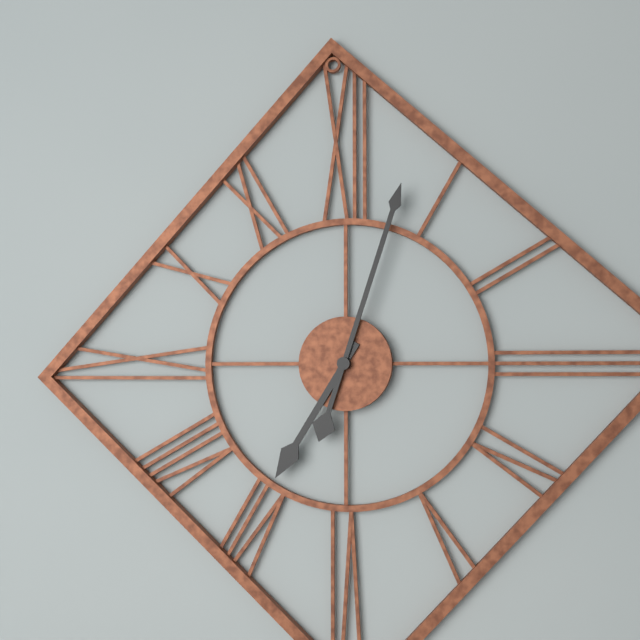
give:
7.03
